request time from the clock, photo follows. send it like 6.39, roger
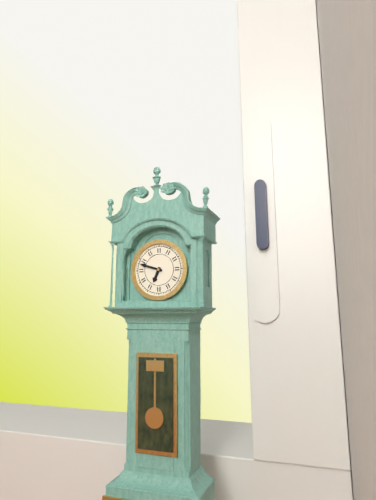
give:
6.48
